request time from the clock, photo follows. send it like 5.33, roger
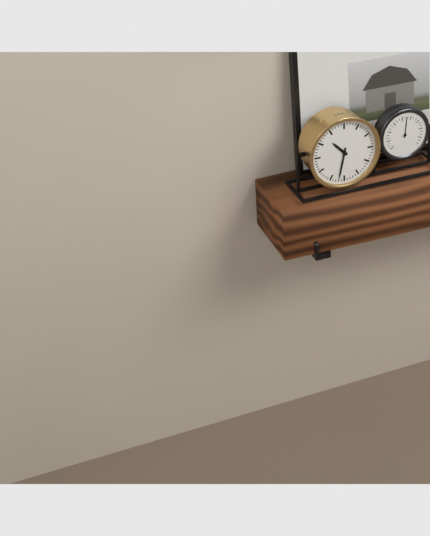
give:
10.32
